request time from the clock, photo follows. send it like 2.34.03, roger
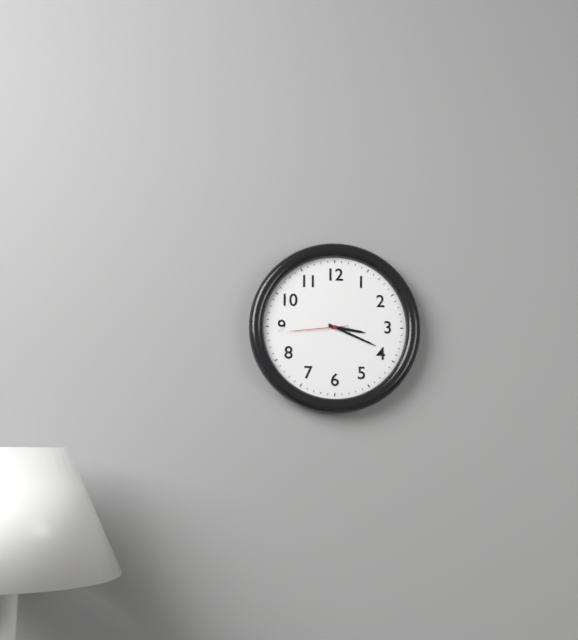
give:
3.19.44
